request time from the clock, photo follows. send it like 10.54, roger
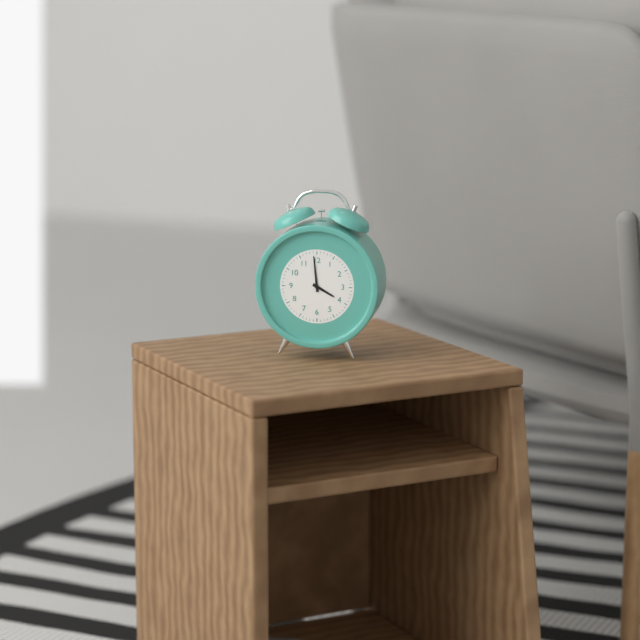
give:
3.59
